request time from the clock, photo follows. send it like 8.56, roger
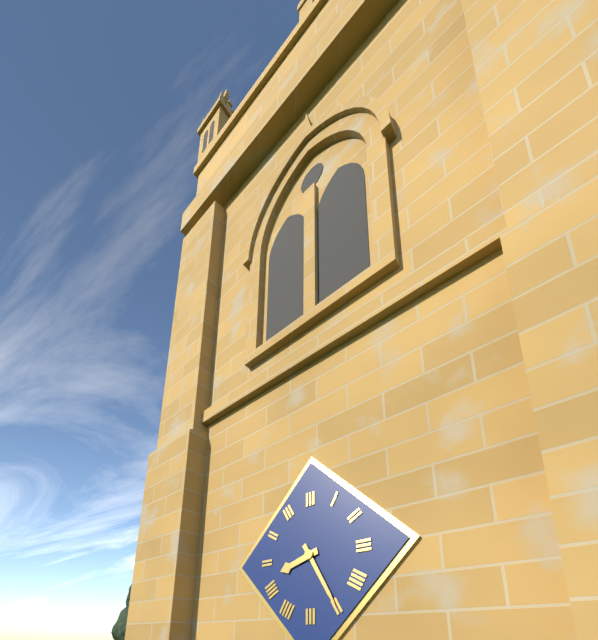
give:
8.25
